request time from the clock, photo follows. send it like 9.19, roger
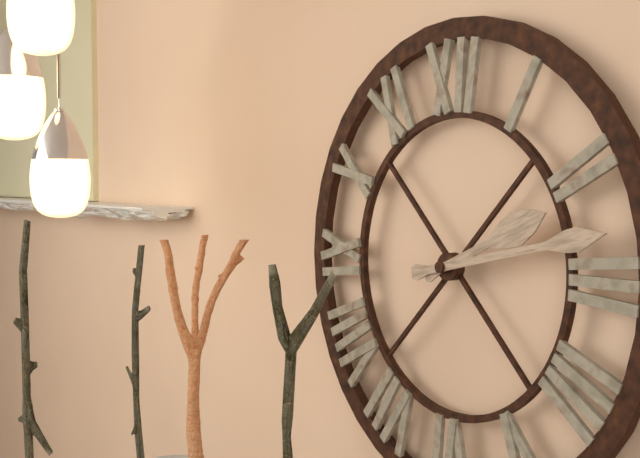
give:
2.13
